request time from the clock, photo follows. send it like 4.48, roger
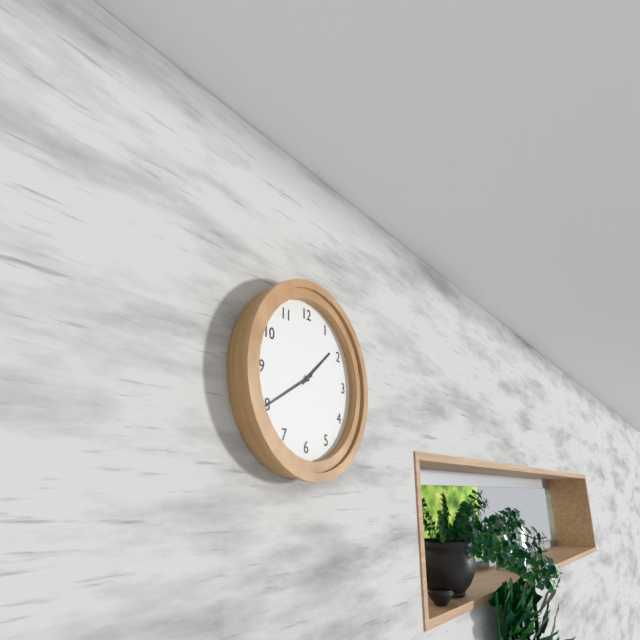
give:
1.40
